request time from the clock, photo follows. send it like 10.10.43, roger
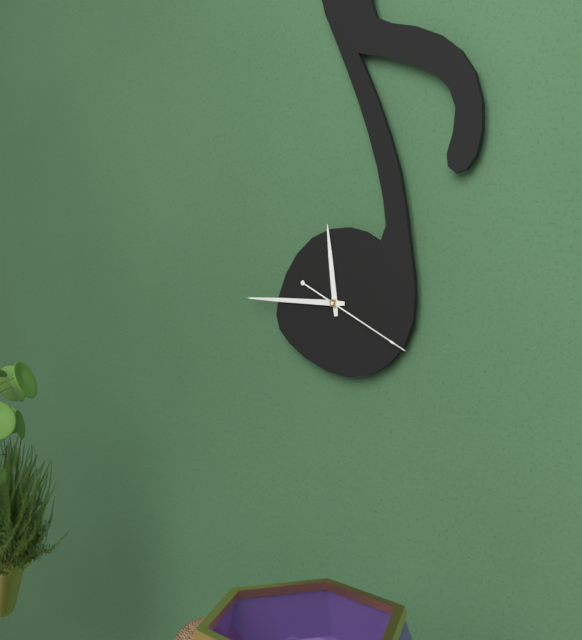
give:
11.45.19
